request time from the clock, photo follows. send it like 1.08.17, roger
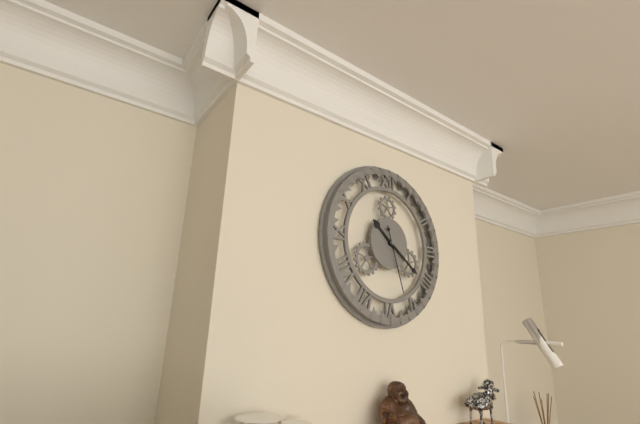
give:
10.21.27
